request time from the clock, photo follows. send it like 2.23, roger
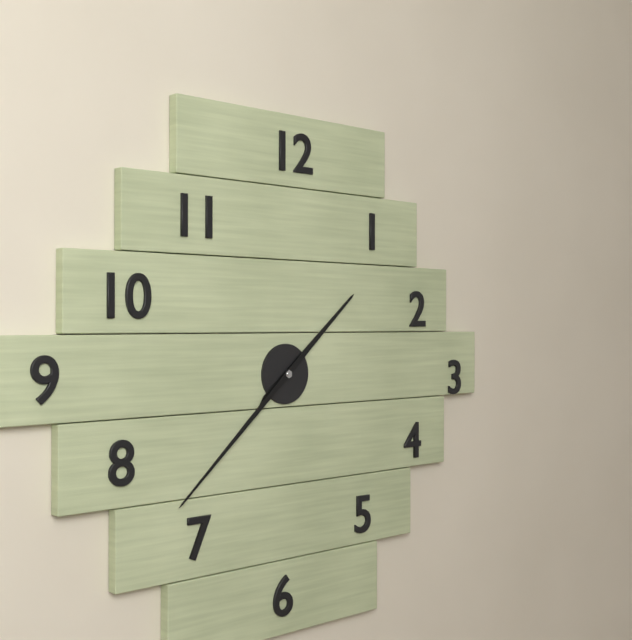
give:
1.38
